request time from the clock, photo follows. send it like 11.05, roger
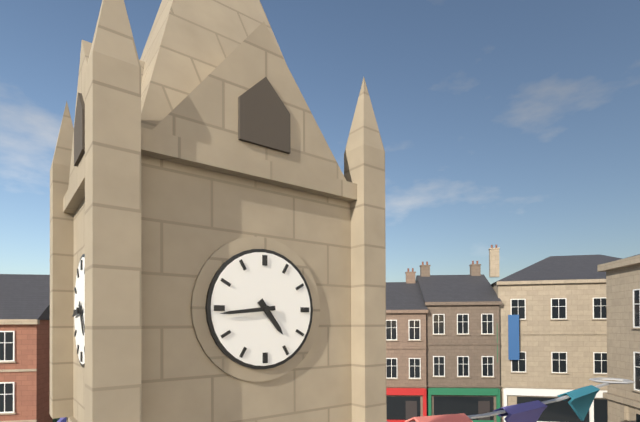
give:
4.44
